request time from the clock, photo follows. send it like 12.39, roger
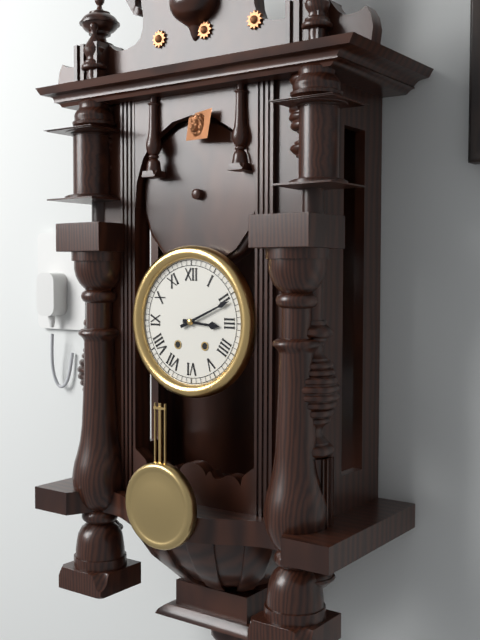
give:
3.11
